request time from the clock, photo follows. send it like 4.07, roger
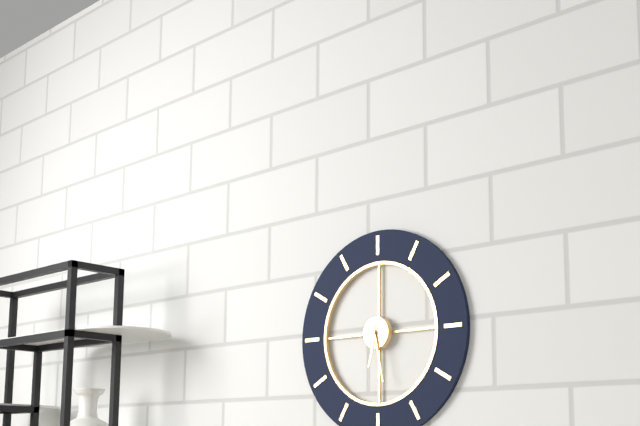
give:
6.28
